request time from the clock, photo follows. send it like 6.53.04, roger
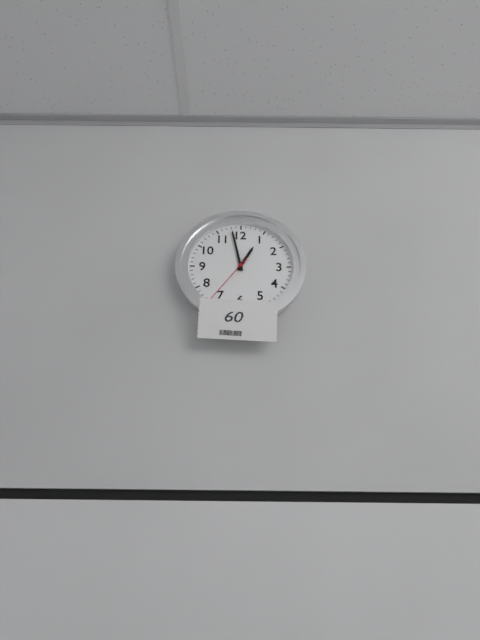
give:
12.58.36
